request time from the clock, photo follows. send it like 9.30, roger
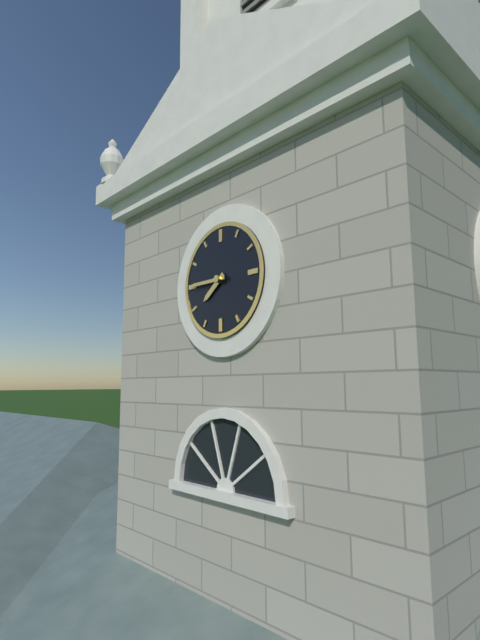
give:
7.45
